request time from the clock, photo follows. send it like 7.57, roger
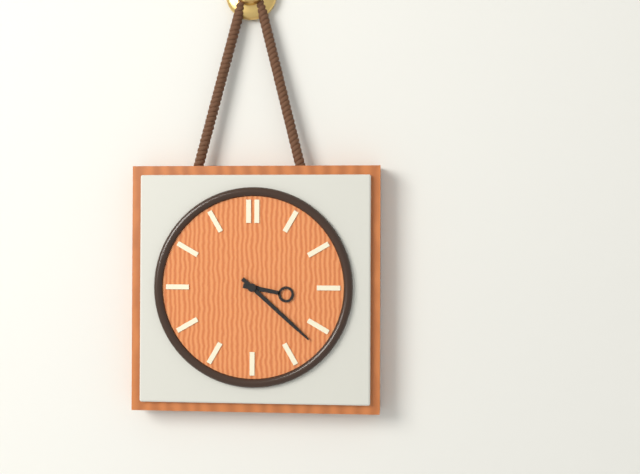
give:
3.22
